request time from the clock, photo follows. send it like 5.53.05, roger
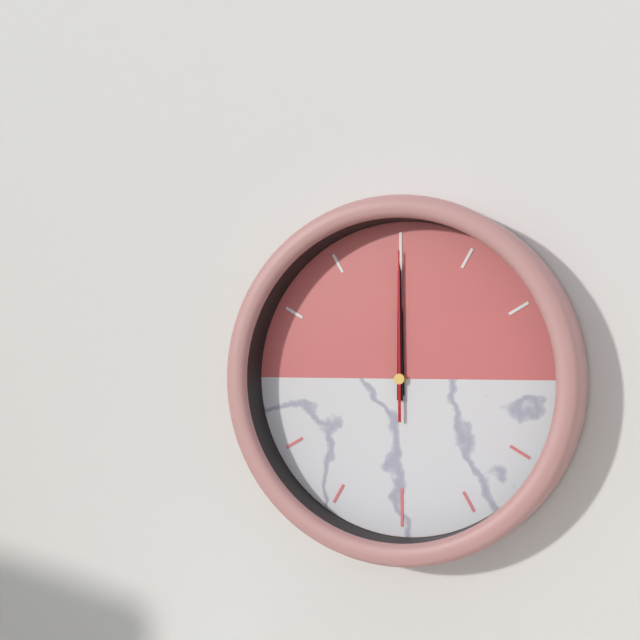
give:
12.00.00
